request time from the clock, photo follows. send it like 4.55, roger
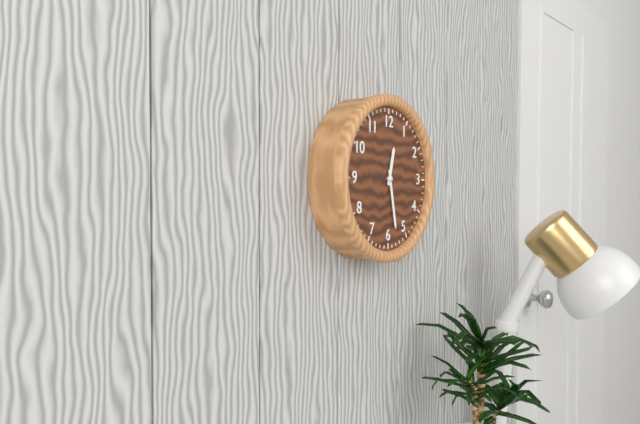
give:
12.28
